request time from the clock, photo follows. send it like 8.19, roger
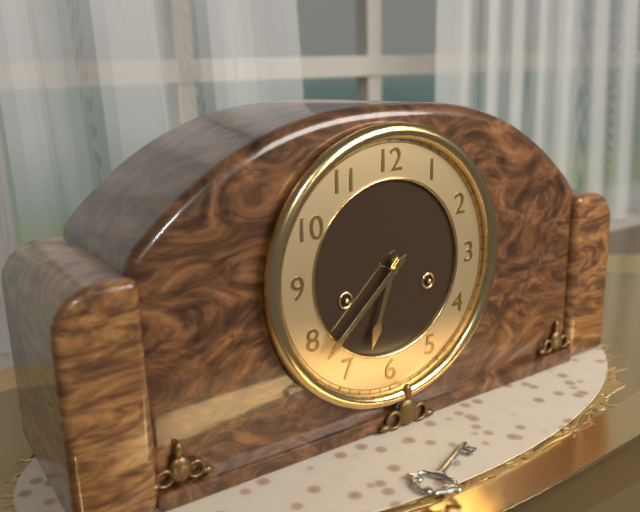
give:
6.38
